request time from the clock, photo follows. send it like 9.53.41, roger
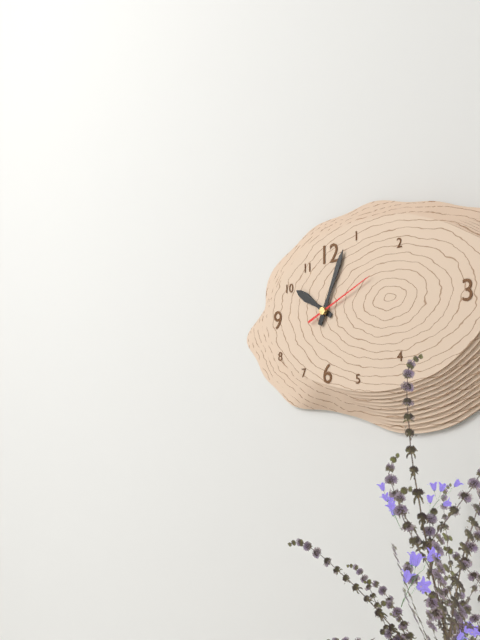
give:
10.04.11
